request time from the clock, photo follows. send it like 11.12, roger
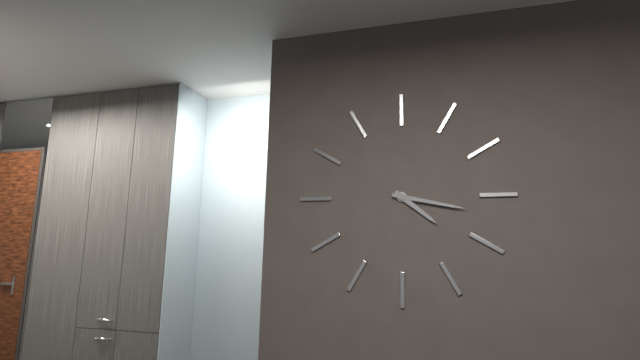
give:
4.17
